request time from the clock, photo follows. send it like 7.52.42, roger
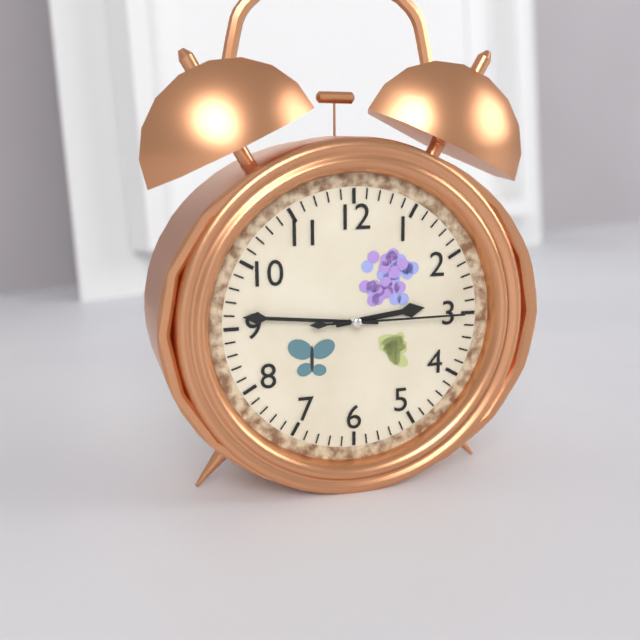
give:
2.46.15
